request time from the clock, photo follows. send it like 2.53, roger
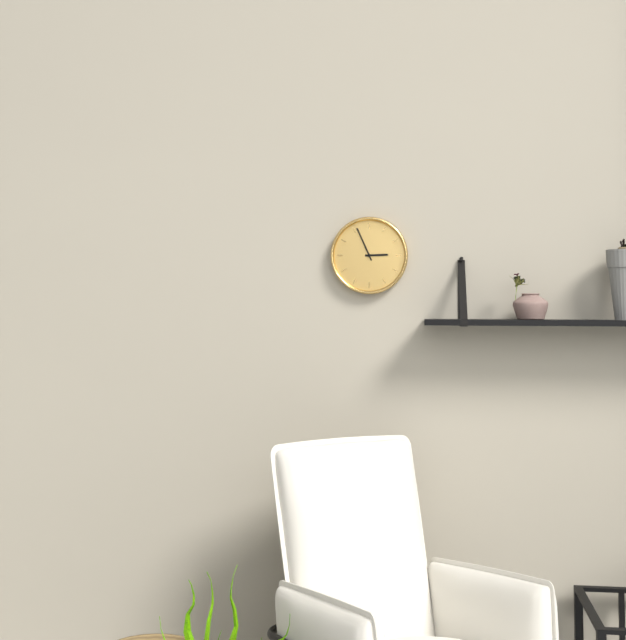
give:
2.56
